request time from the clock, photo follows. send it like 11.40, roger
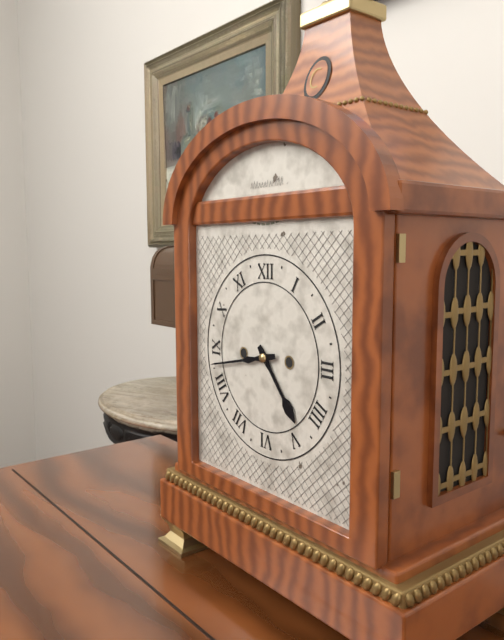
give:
4.43
